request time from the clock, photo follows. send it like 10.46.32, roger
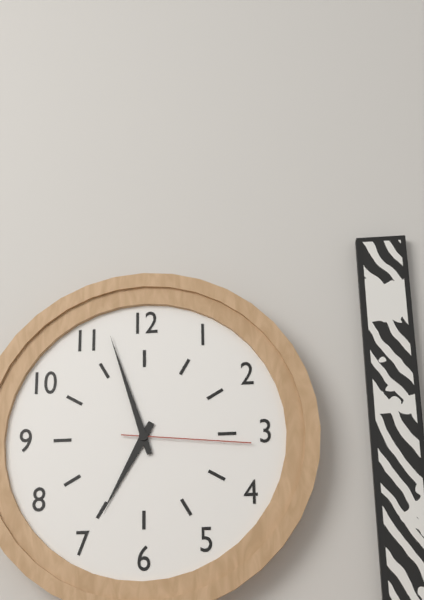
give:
6.57.16
